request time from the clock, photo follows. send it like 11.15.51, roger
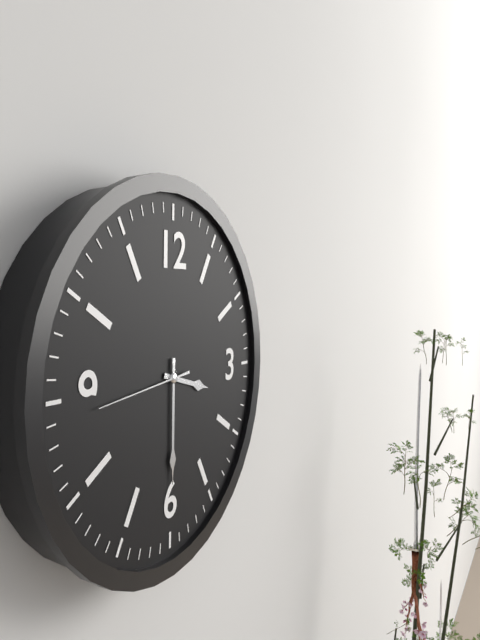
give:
3.30.44
